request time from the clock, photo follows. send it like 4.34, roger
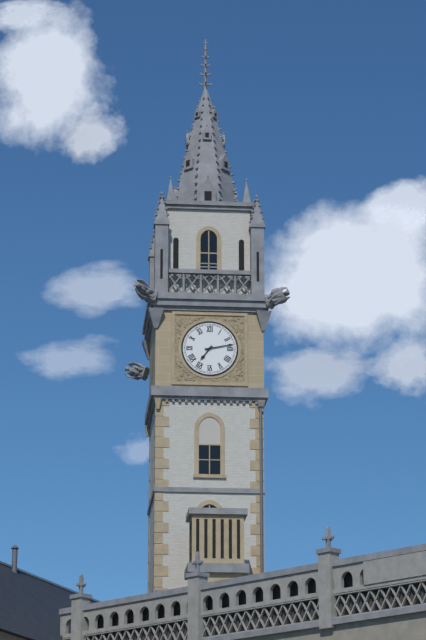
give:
7.13
